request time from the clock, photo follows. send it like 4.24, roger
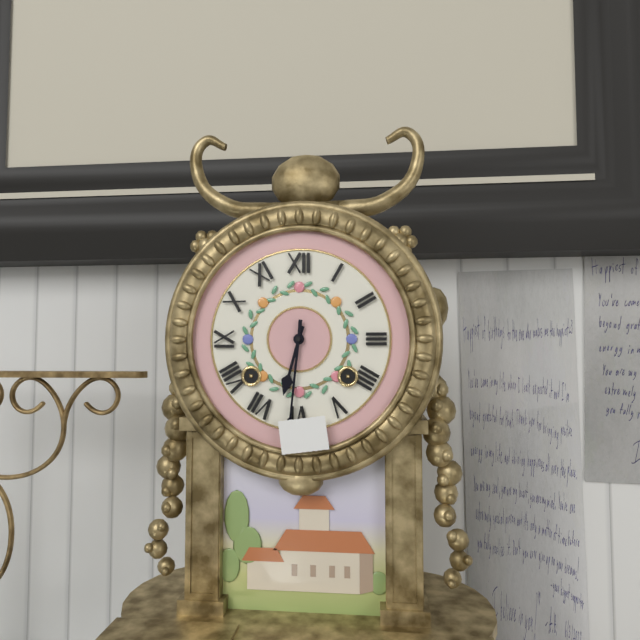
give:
6.31
